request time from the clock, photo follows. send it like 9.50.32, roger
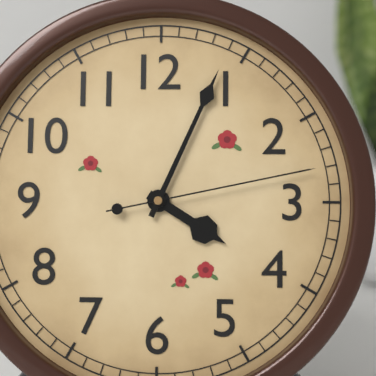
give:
4.04.13
